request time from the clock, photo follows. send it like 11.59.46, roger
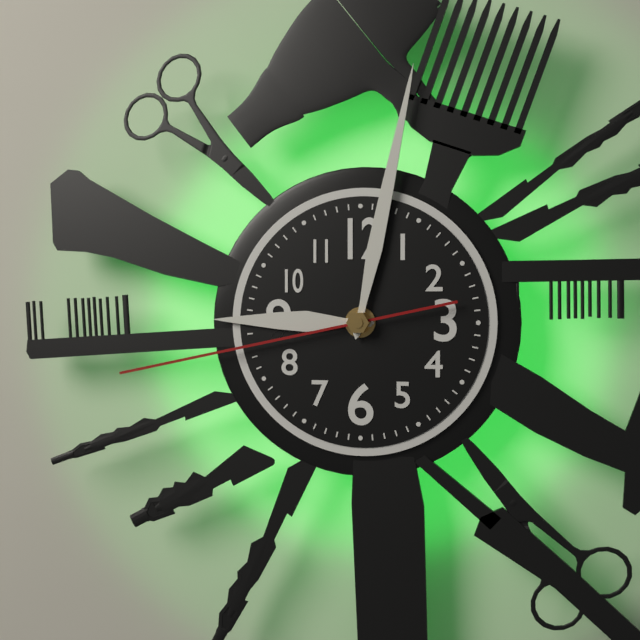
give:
9.02.43
